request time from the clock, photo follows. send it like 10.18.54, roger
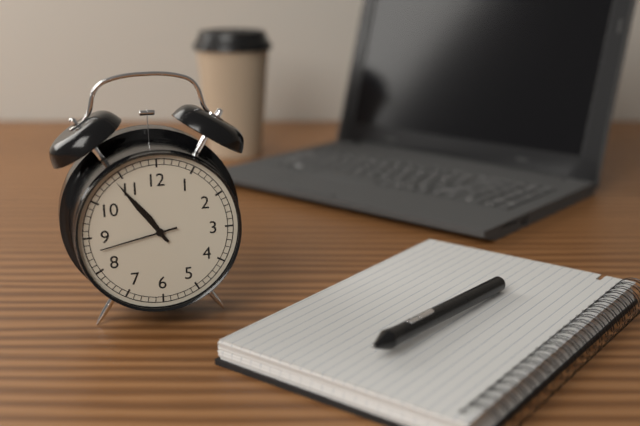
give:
10.54.43
